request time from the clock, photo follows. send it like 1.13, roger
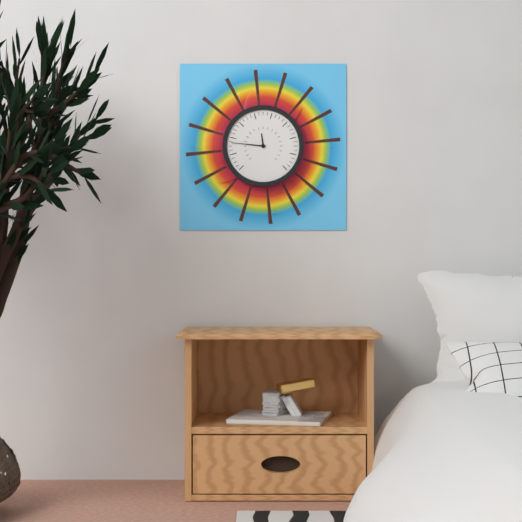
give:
11.46
